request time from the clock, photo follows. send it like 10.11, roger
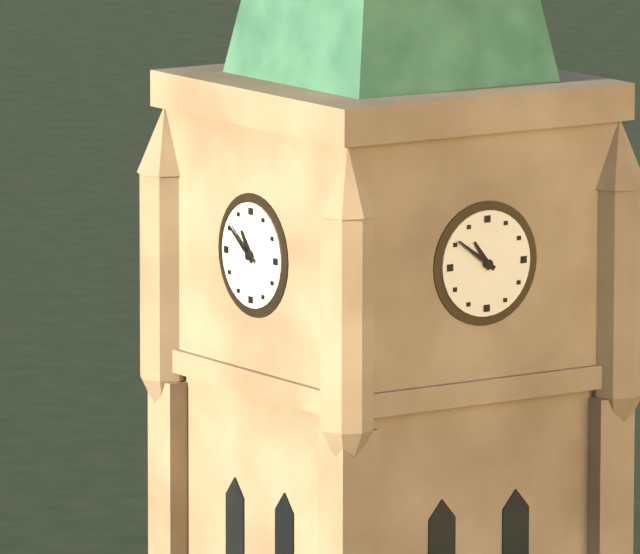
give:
10.51
